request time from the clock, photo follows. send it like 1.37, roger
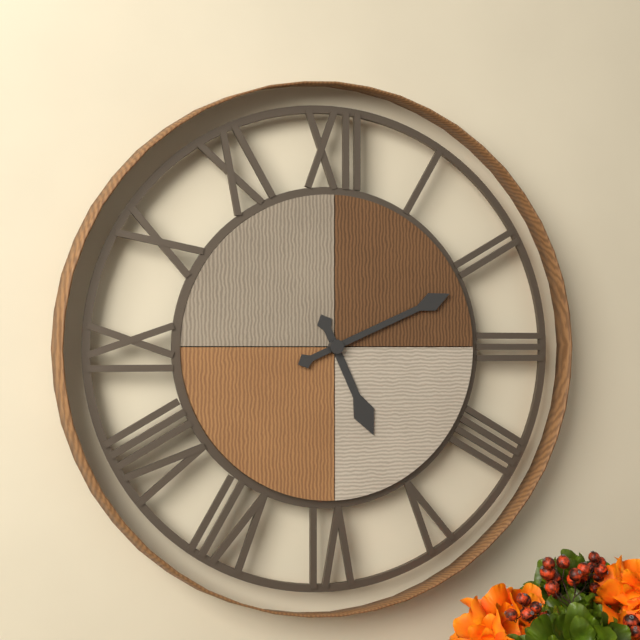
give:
5.11
